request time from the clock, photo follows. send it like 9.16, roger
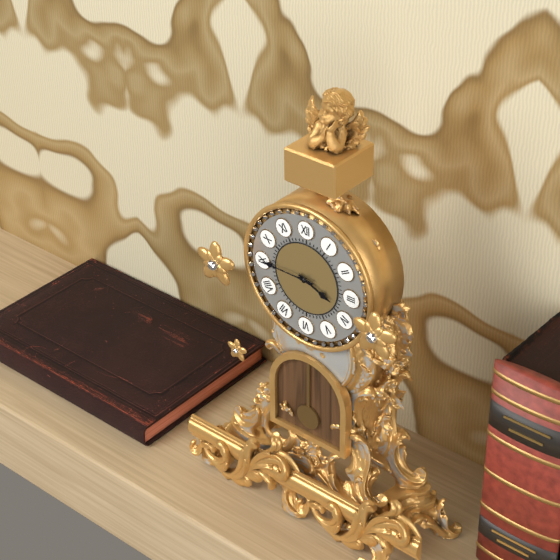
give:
3.45
